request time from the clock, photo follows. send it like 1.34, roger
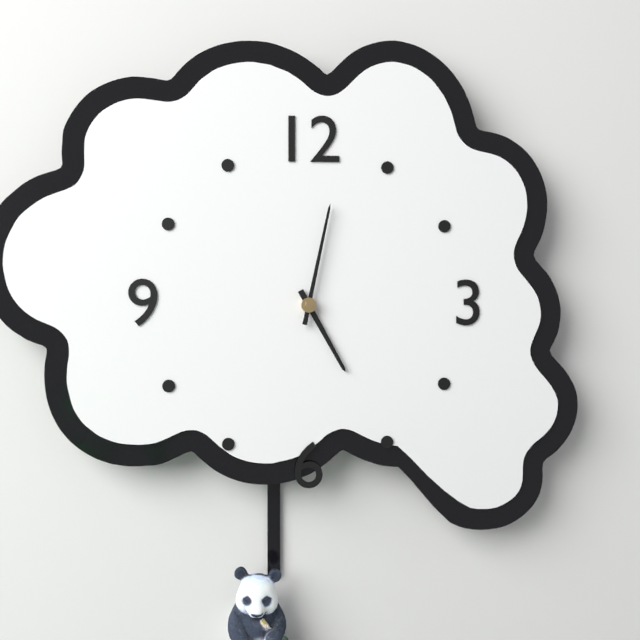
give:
5.02
